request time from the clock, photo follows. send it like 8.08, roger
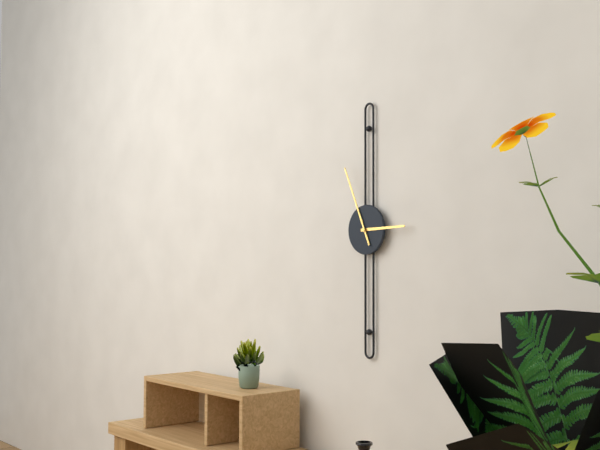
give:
2.56
